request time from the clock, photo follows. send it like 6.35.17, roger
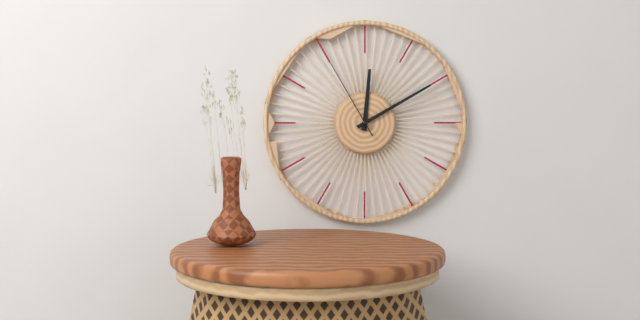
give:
12.10.55
